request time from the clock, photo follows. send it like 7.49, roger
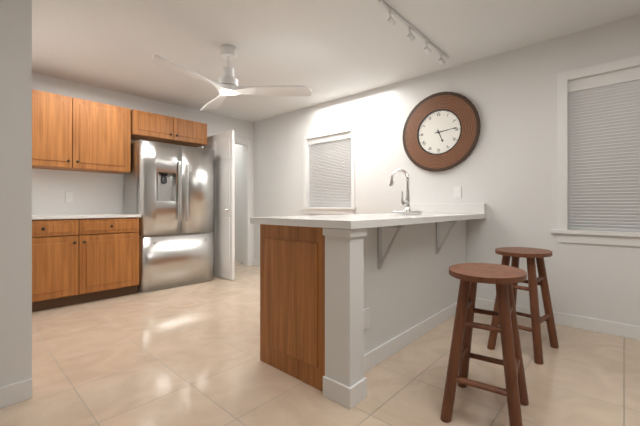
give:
5.14
